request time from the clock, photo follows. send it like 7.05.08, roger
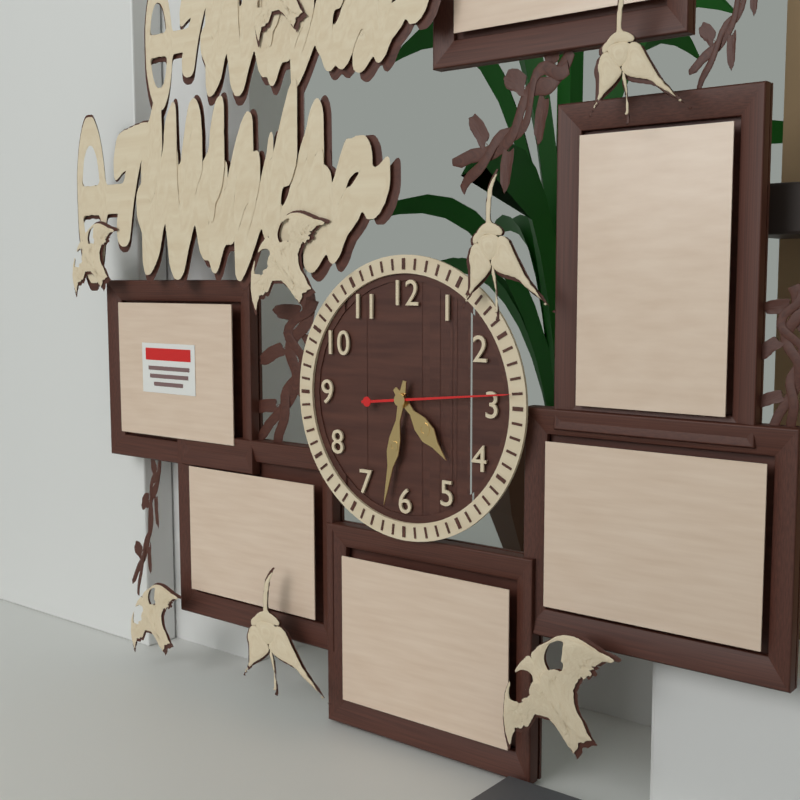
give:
4.32.14
